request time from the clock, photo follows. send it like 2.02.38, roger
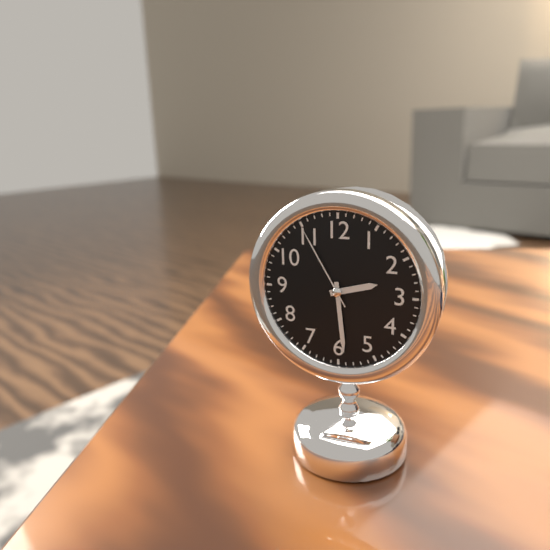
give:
2.29.55
